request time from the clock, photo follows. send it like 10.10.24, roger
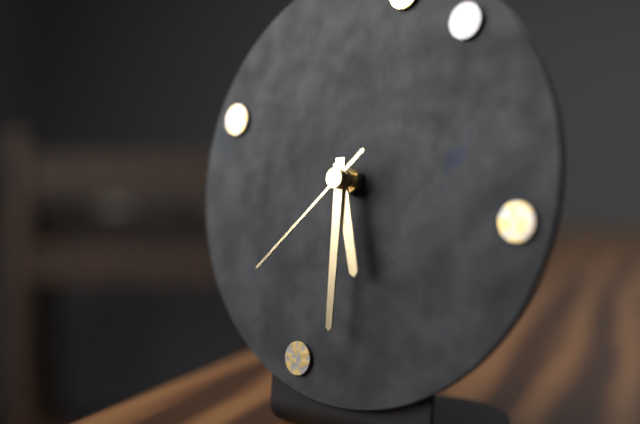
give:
5.30.38
